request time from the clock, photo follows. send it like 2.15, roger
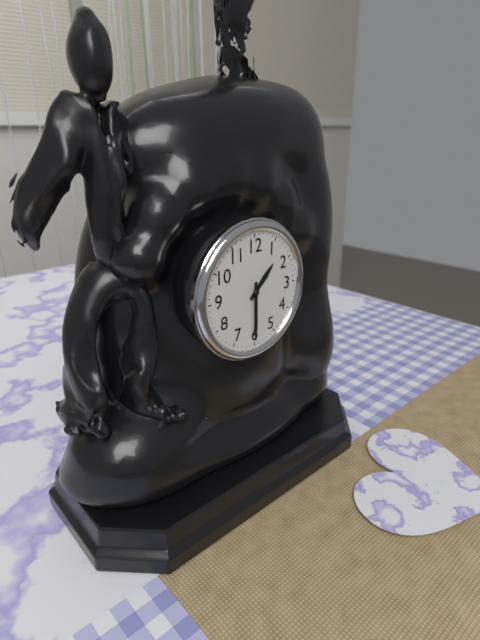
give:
1.30
